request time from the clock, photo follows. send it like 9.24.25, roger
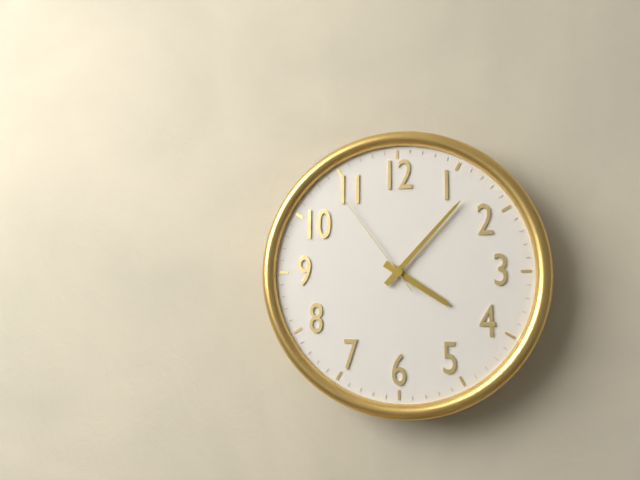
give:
4.07.54
